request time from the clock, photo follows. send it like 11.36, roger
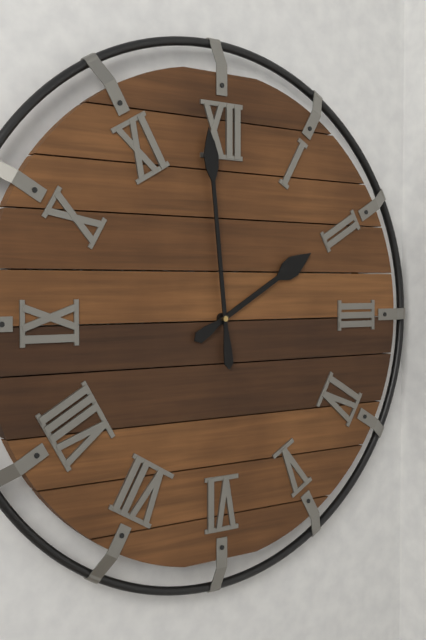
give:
1.59
